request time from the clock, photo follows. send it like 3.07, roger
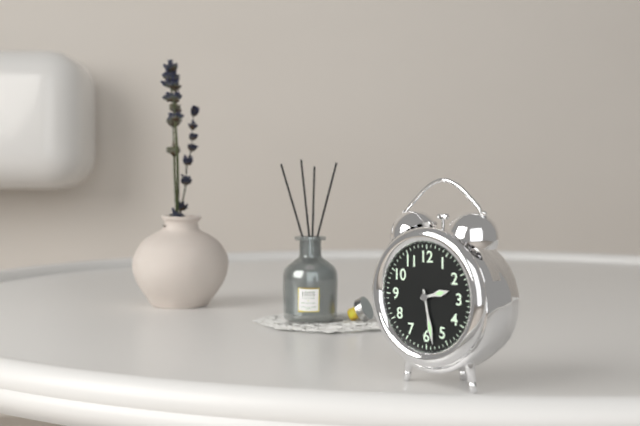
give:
2.28
